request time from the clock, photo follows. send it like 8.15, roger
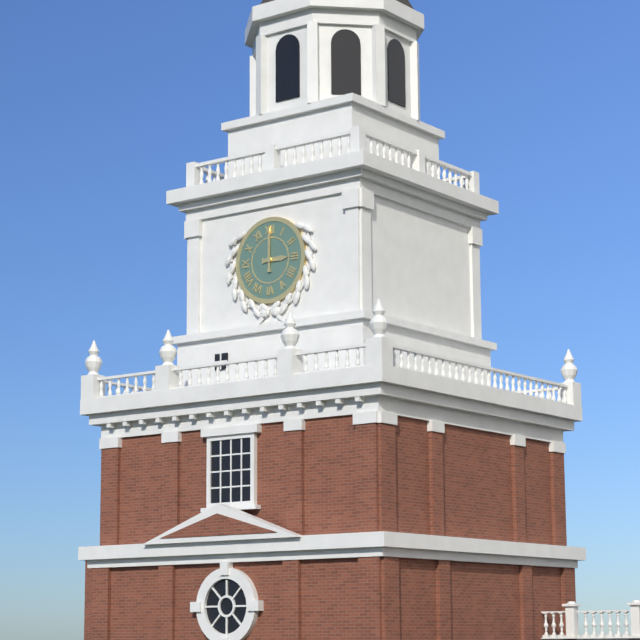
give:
3.00
